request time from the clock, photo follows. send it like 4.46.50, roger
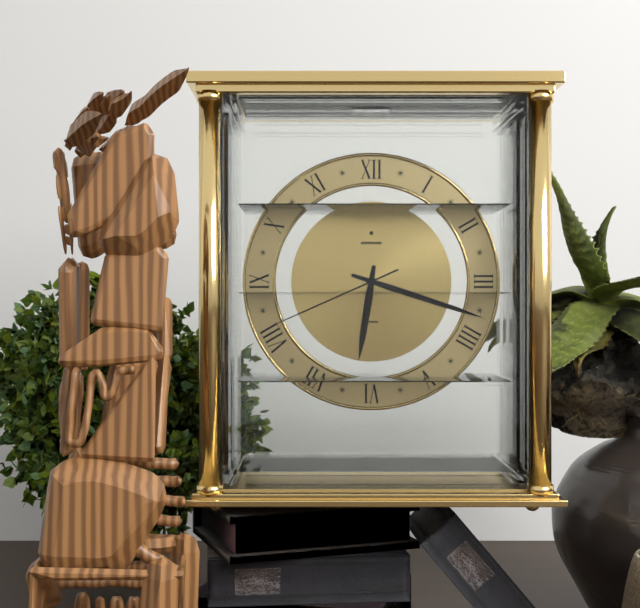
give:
6.18.41
